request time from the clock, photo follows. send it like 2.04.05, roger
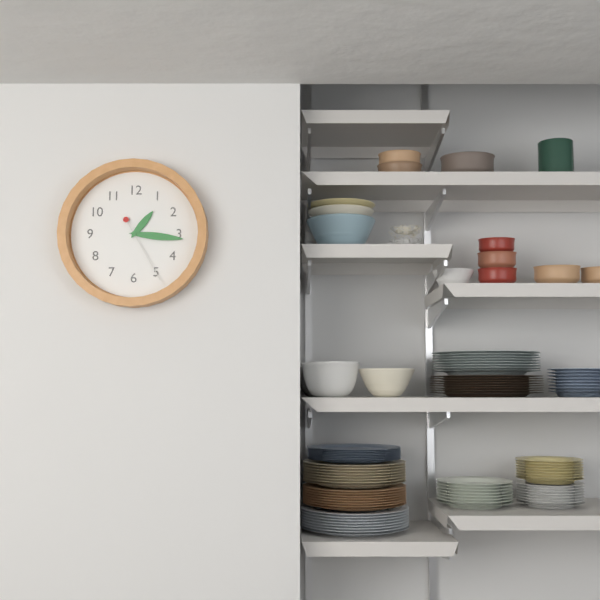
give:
1.16.25
